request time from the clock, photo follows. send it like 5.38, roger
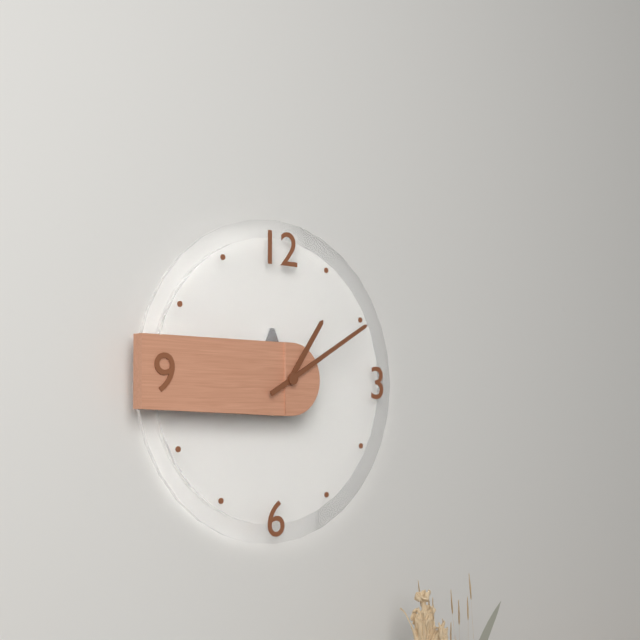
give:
1.10
